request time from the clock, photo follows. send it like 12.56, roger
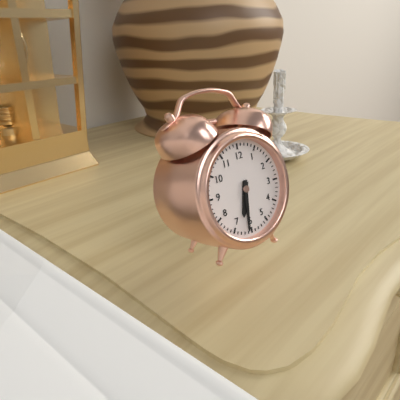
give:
6.31
